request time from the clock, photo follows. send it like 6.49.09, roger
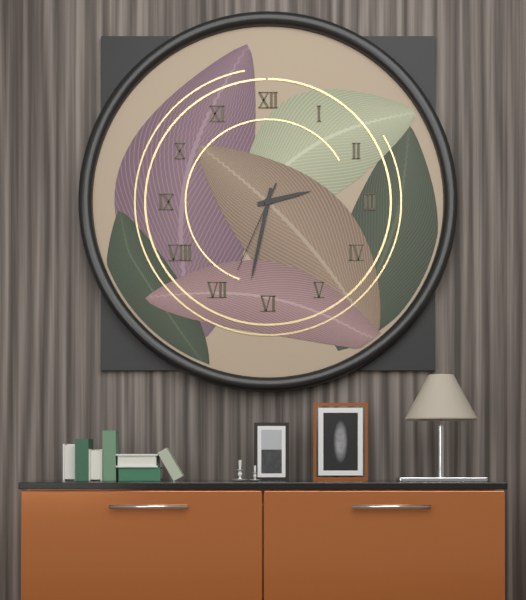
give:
2.32.34
